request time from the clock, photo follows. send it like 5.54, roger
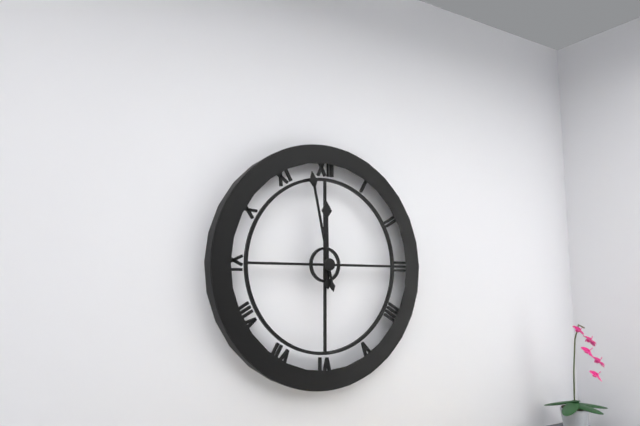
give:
11.58
